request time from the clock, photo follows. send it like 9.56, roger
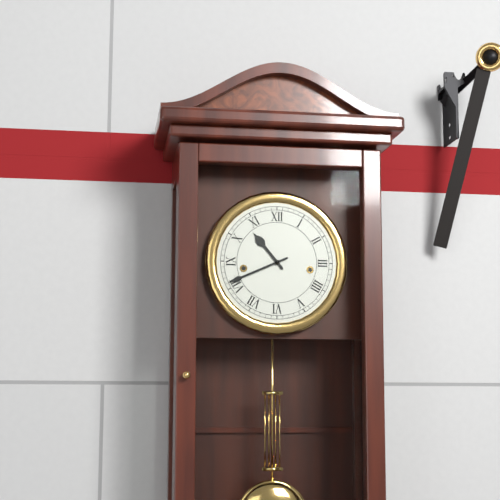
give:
10.41
